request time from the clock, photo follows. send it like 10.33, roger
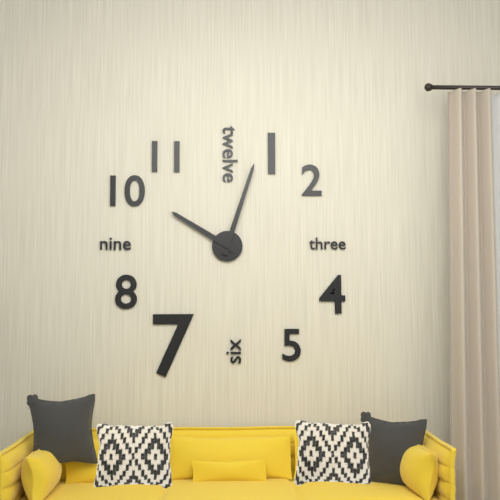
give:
10.03
